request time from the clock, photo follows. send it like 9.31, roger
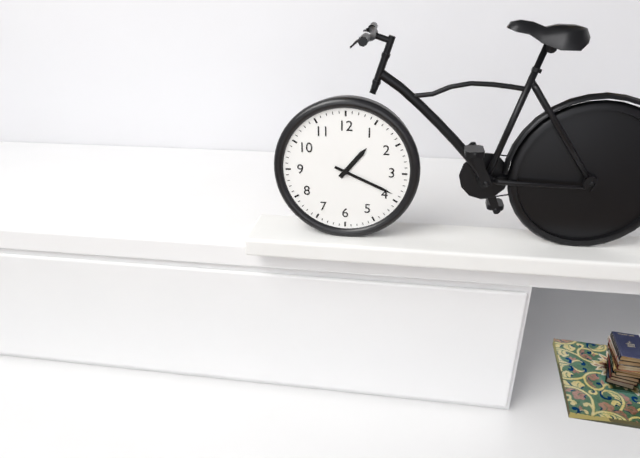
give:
1.19
